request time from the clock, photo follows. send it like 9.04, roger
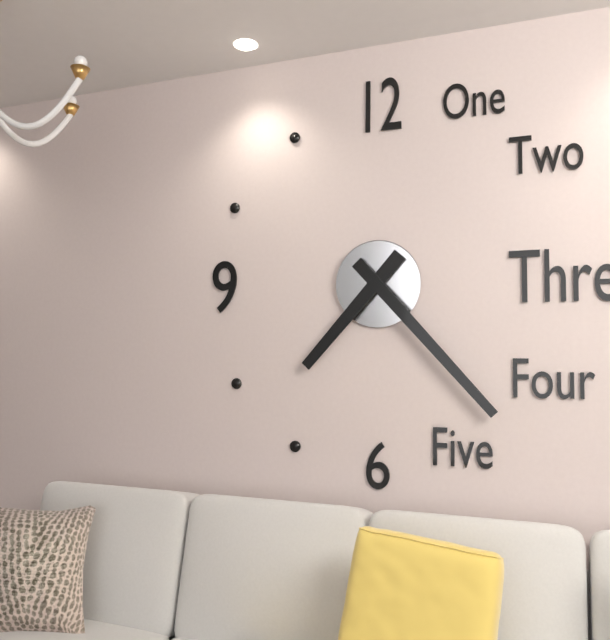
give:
7.23
